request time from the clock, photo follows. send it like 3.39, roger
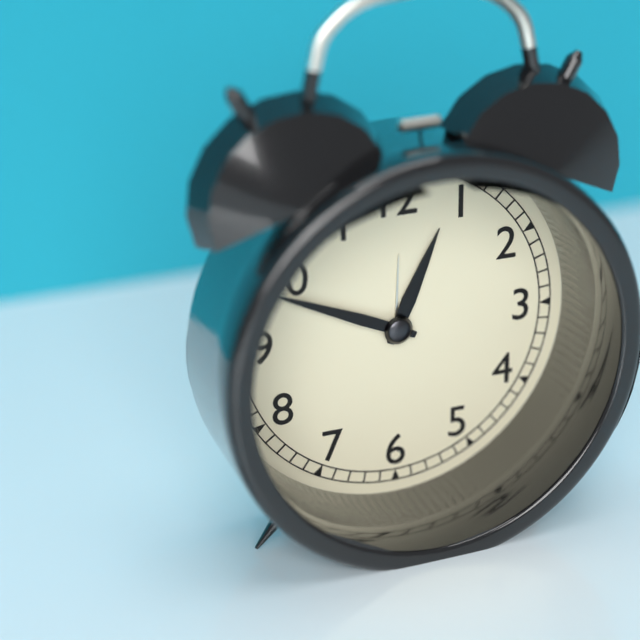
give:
12.49
